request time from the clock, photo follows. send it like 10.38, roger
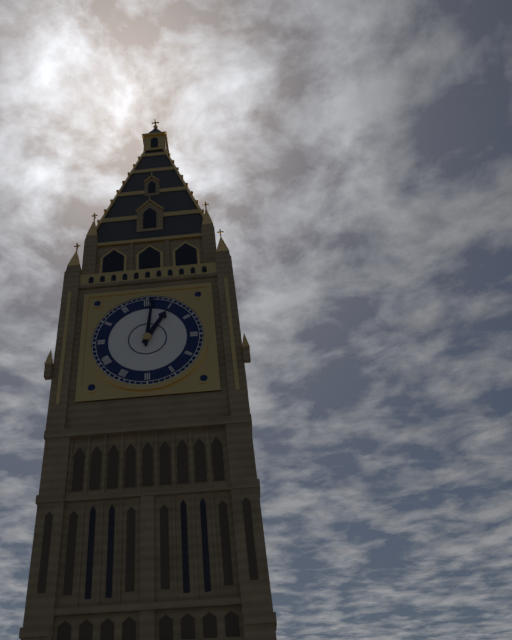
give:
1.01
